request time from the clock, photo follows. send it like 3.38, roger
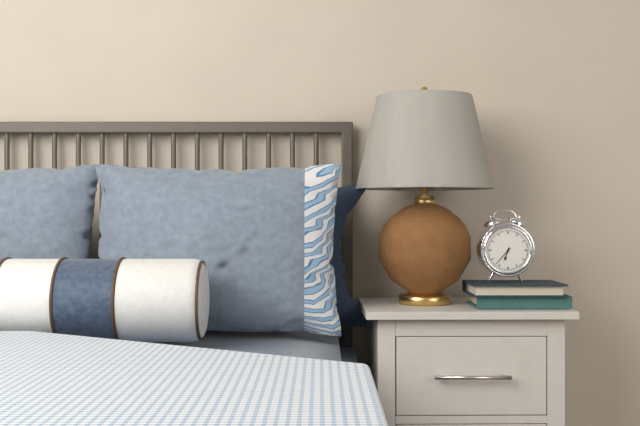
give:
6.37
